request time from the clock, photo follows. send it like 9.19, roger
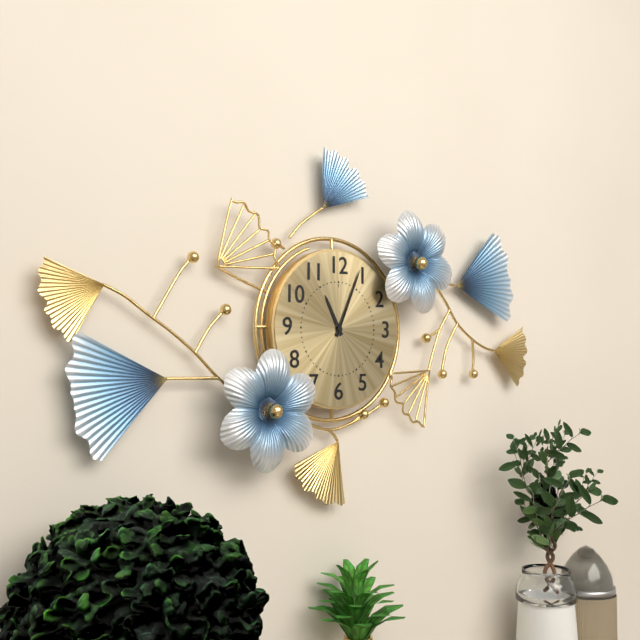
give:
11.04
